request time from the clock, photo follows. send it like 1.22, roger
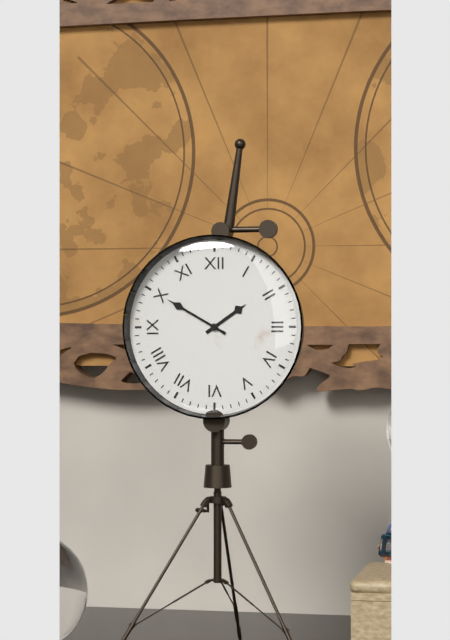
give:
1.50
